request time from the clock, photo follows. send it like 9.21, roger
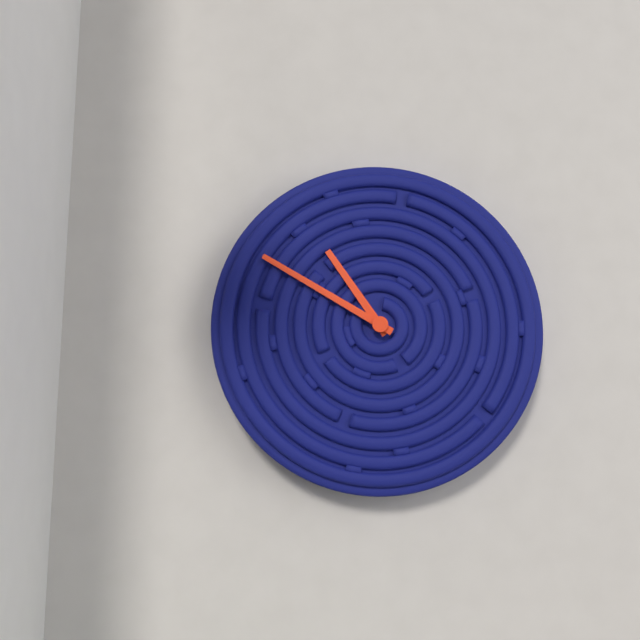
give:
10.50
